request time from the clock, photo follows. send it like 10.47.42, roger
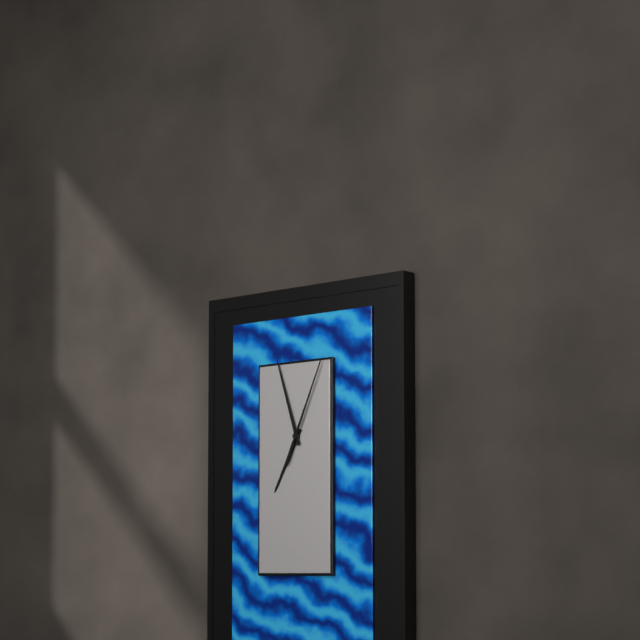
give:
6.57.04
